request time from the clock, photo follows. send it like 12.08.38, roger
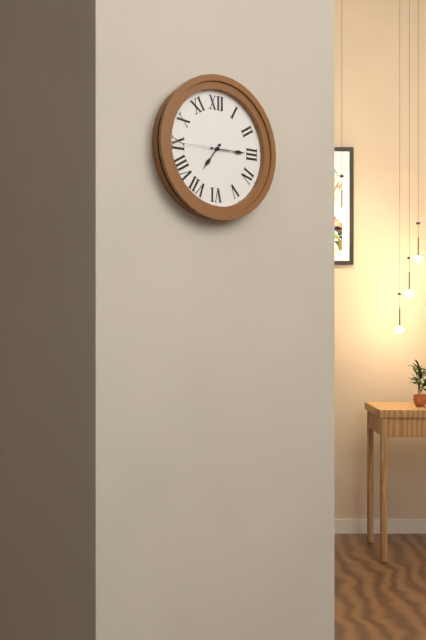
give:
7.15.45
